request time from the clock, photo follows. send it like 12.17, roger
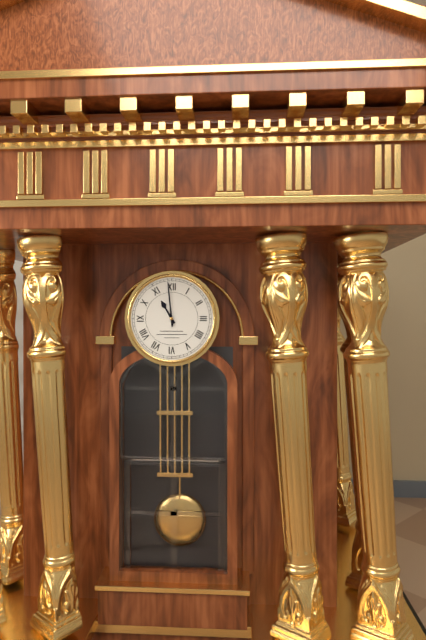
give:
10.59
